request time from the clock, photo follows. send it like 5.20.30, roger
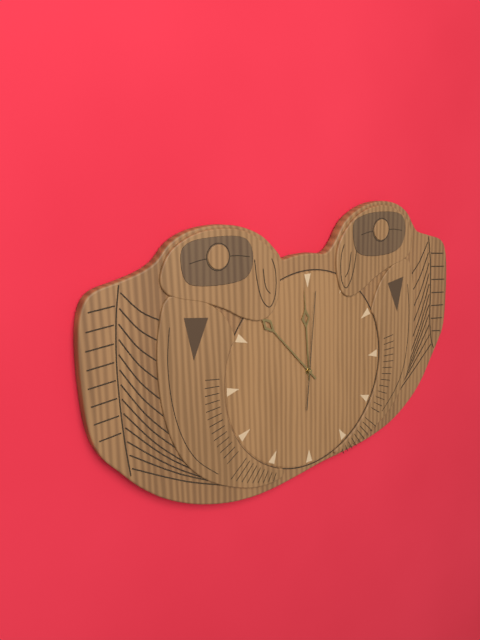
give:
11.53.01
